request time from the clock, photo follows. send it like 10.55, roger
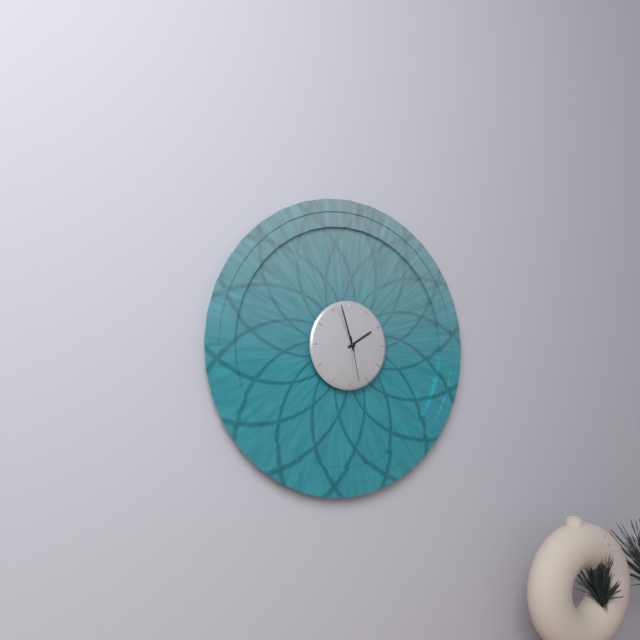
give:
1.57
